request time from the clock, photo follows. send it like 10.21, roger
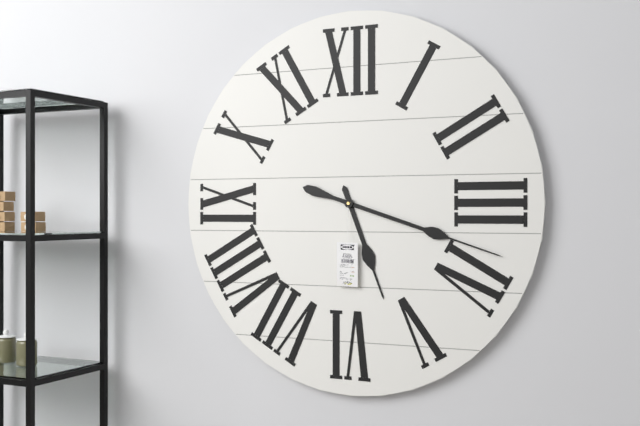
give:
5.18
